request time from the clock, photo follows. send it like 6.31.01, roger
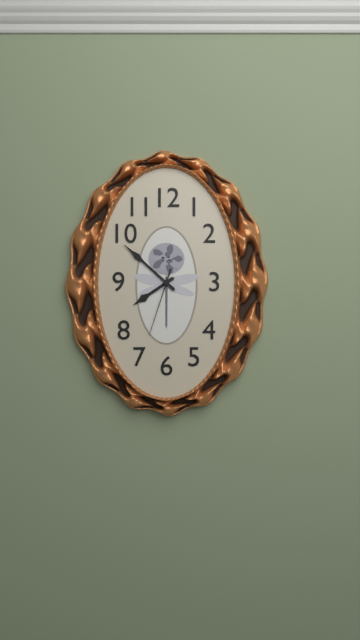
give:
7.52.33
